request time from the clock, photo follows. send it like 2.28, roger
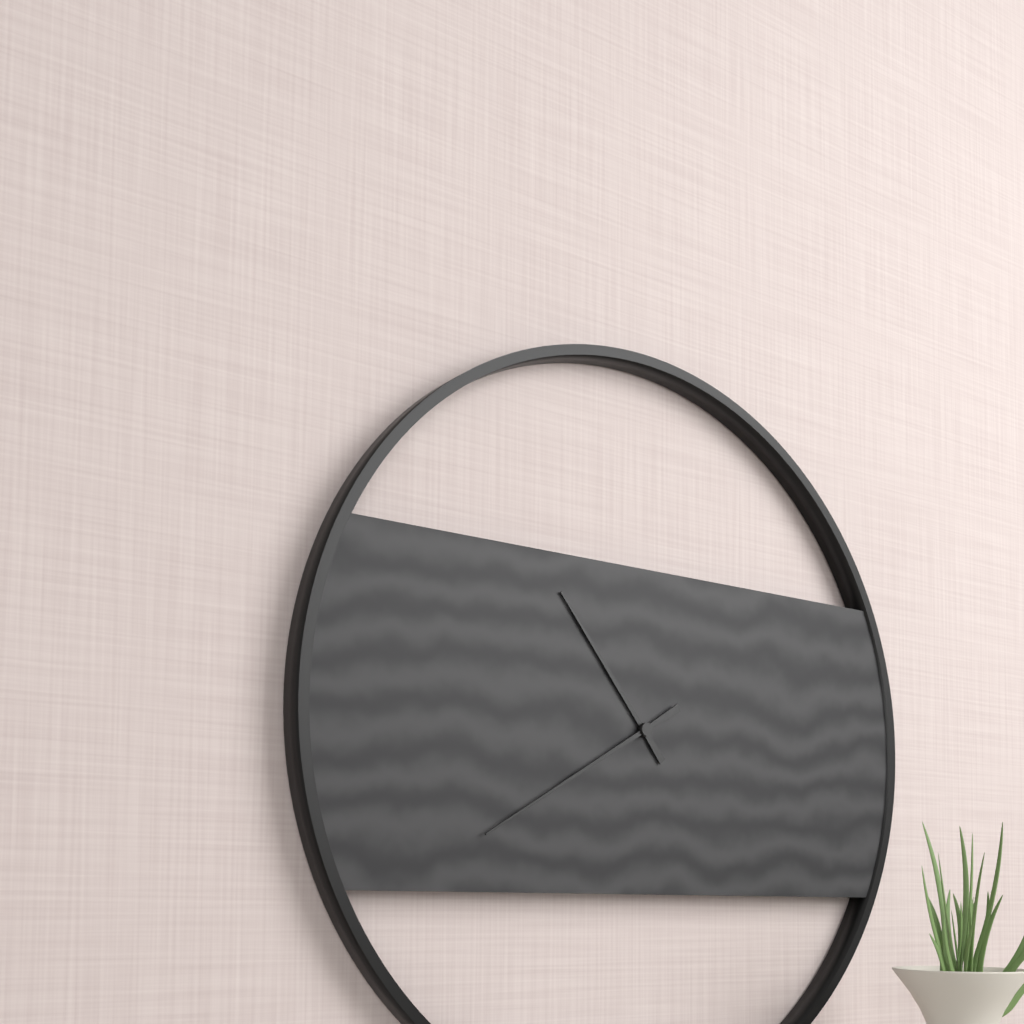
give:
10.40
